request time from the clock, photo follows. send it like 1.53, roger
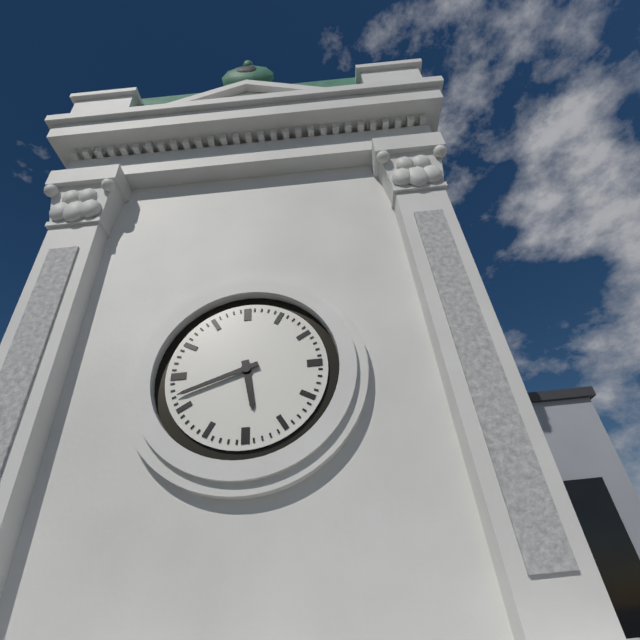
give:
5.42
